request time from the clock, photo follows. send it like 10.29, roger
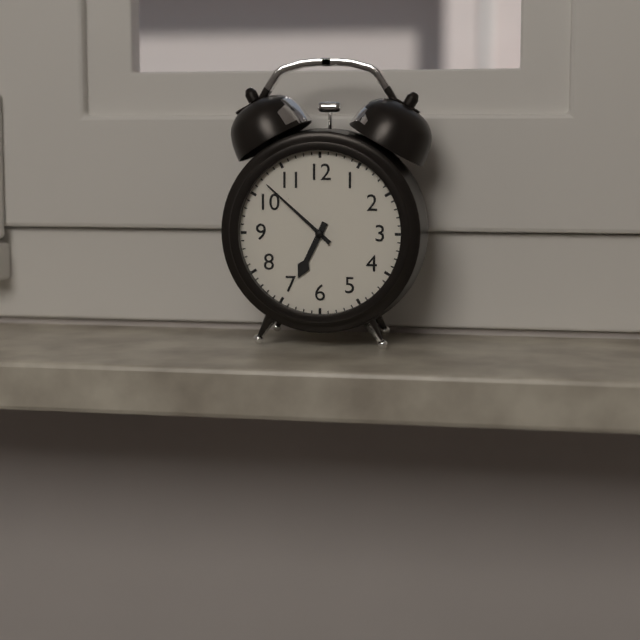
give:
6.52
